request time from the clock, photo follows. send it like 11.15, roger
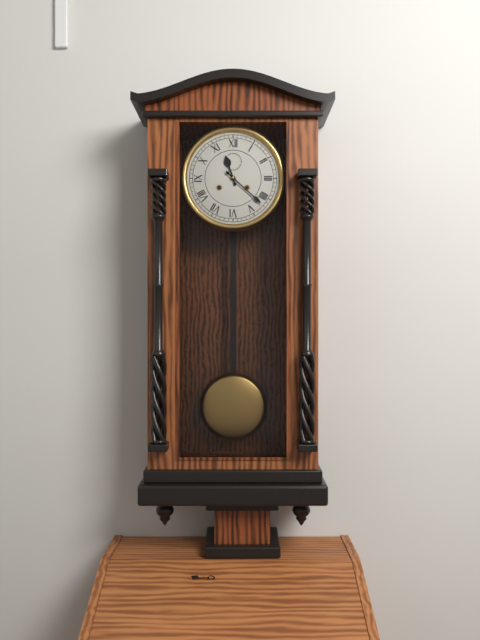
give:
11.22
